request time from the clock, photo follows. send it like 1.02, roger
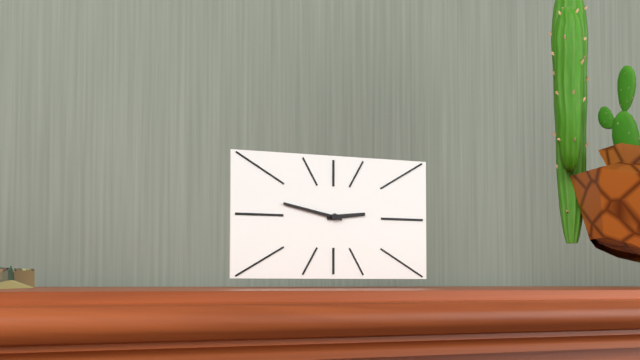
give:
2.47
